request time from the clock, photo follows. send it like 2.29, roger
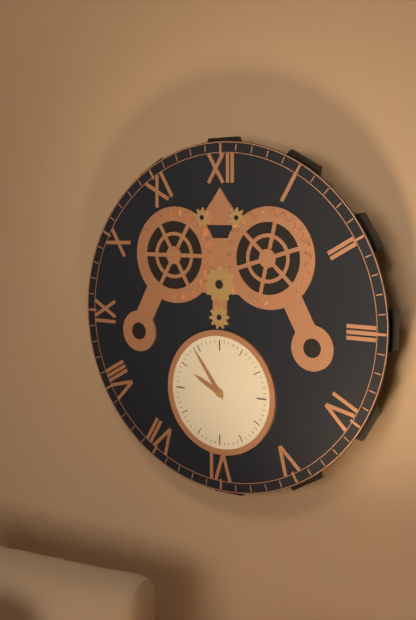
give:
9.54
